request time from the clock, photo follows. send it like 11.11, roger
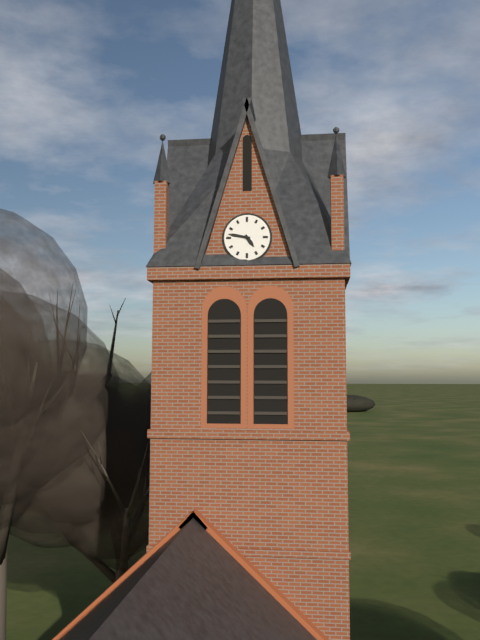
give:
4.47
